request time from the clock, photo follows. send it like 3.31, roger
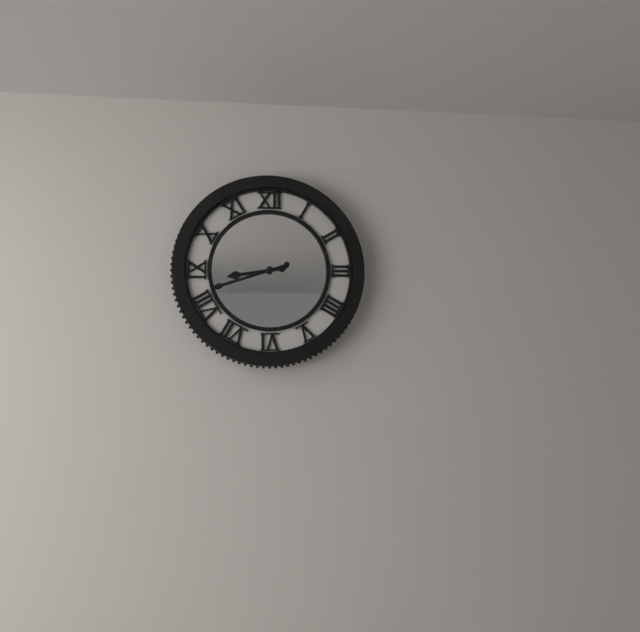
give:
8.42
